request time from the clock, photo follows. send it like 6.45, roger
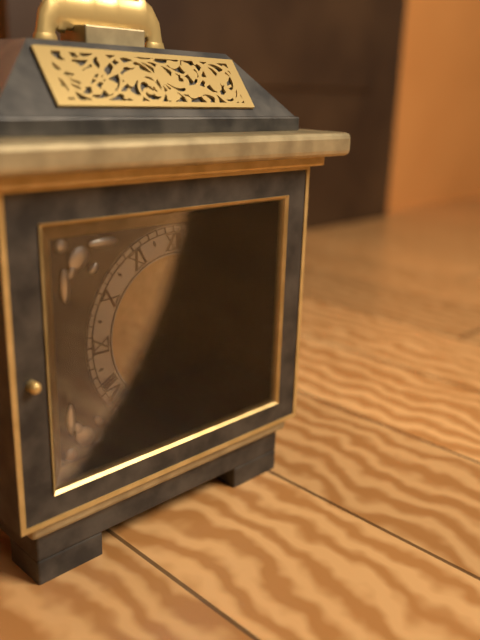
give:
8.01
